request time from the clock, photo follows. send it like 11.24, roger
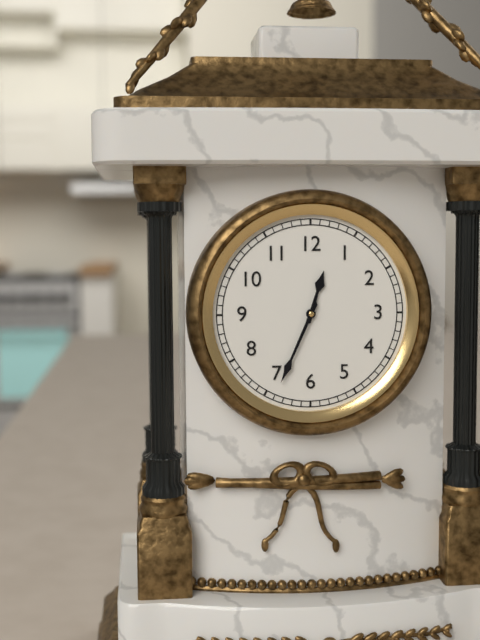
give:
12.34
